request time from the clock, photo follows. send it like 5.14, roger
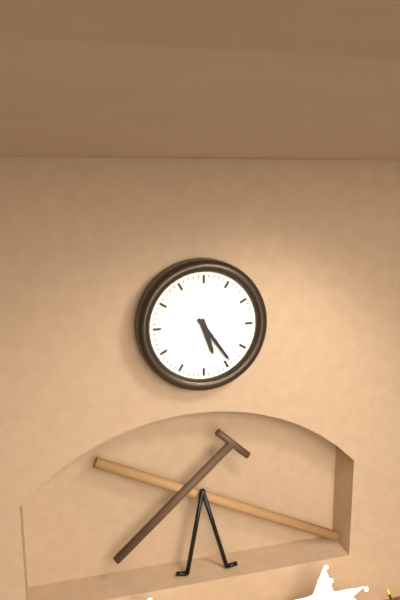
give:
5.24
